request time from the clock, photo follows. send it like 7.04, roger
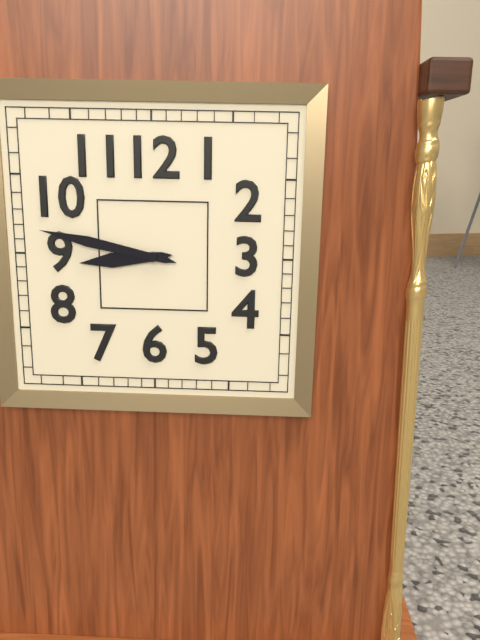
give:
8.47
